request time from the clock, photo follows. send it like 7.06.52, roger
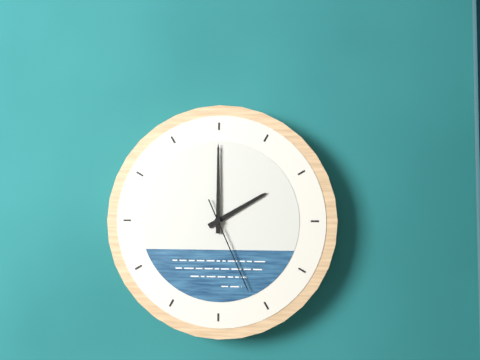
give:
2.00.26
